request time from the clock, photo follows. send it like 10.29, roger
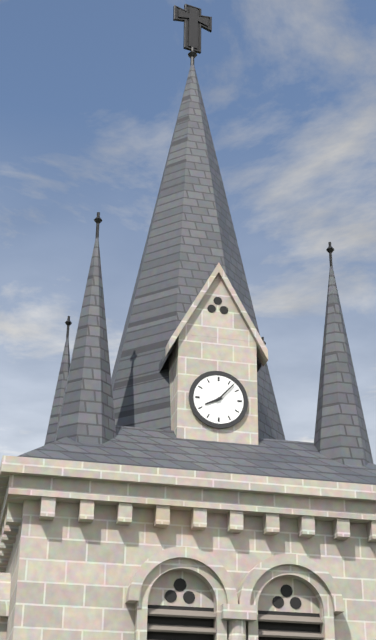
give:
8.07
